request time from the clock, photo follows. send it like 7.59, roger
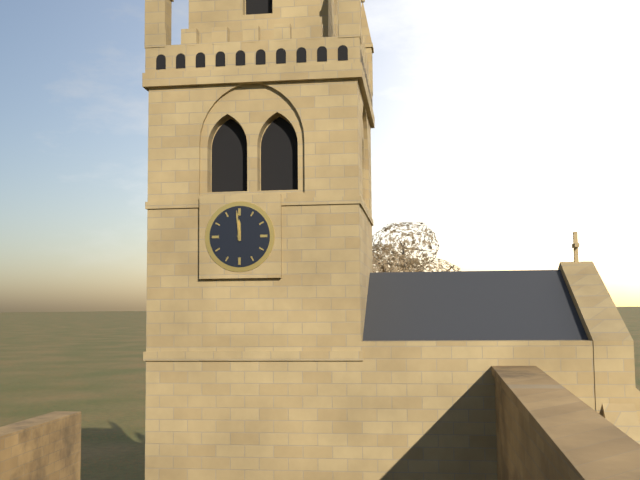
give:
11.59
